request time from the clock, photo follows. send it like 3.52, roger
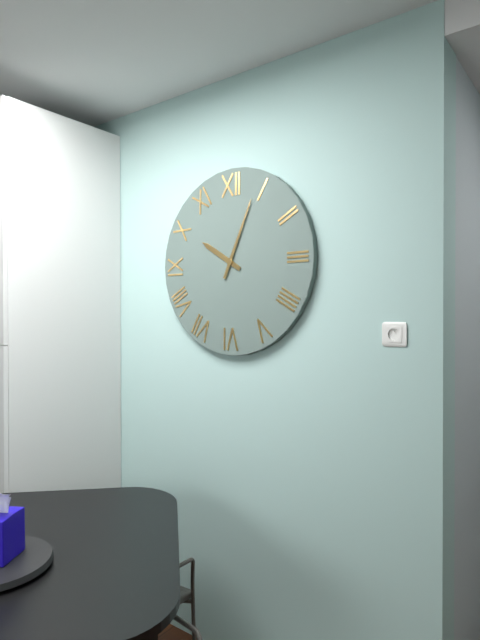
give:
10.04
